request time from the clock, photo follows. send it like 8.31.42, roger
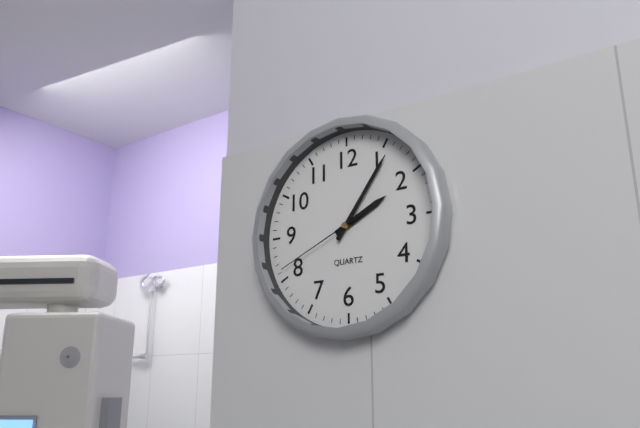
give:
2.06.41
